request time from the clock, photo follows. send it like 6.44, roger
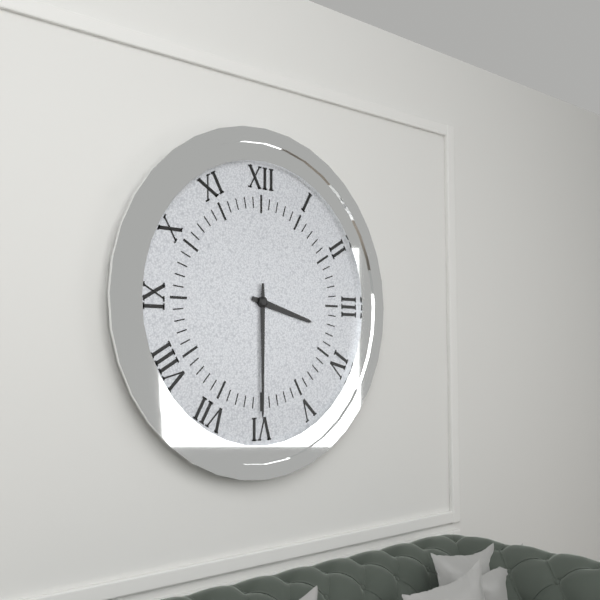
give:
3.30
